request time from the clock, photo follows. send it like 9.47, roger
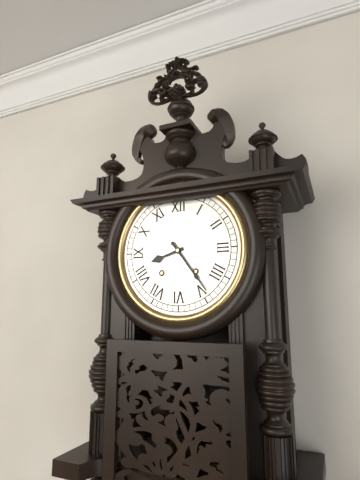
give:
8.24
